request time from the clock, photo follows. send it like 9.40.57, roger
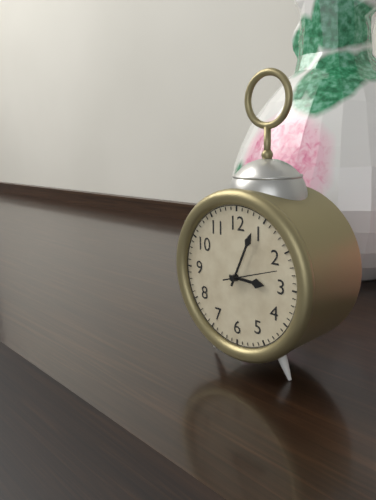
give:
3.04.12
